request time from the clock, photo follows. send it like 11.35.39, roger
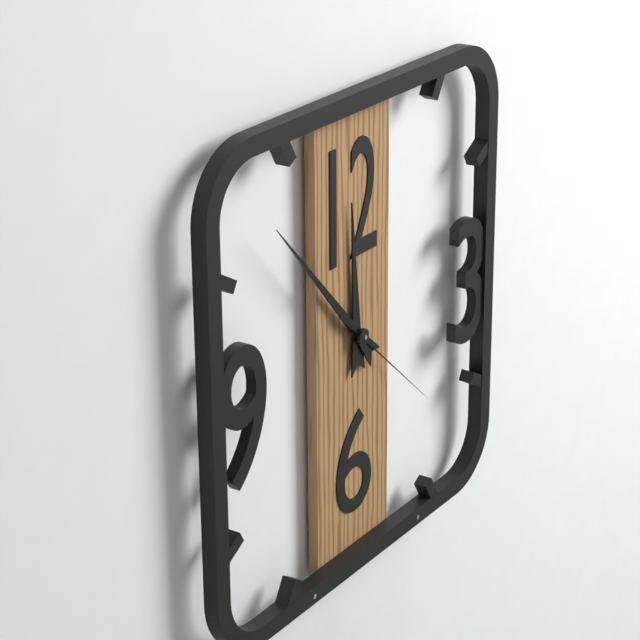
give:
11.53.22
